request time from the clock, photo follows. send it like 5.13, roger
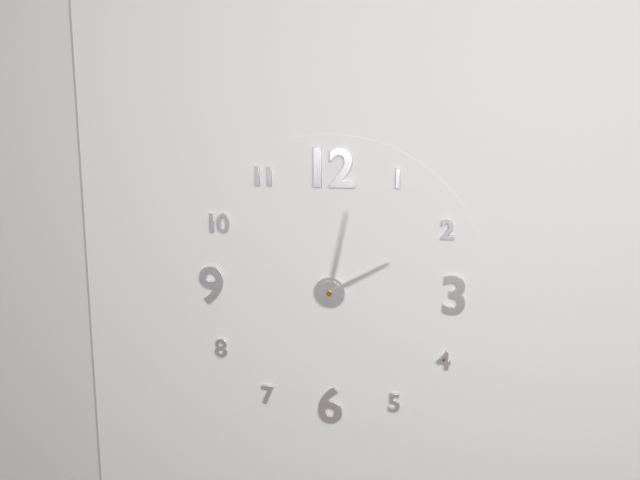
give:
2.02
